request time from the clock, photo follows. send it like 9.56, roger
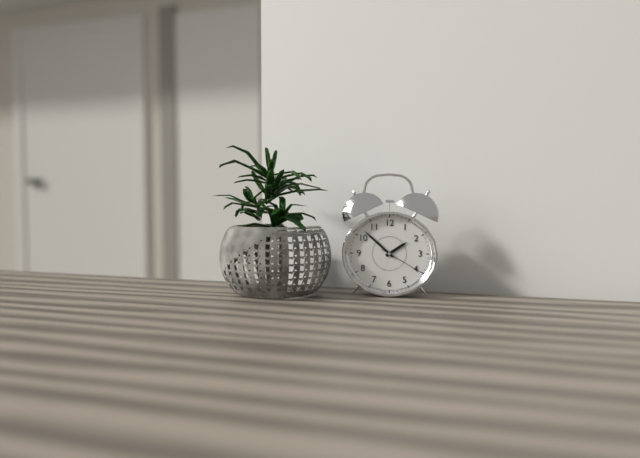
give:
1.52
